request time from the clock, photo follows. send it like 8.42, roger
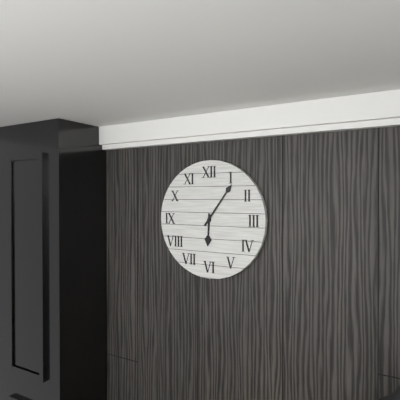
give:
6.06
